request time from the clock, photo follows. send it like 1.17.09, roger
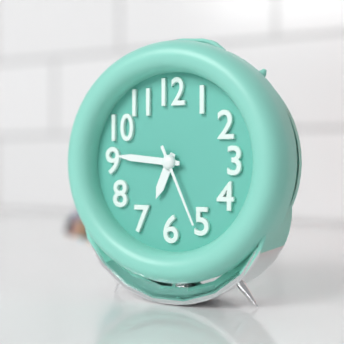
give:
6.46.26
